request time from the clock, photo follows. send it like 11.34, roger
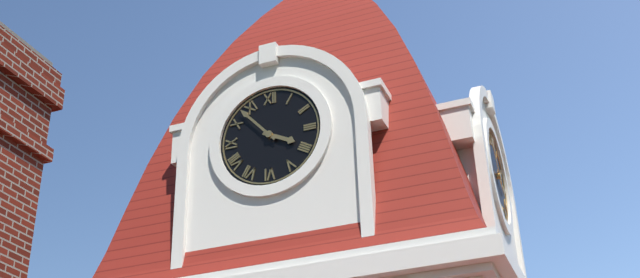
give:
3.53
